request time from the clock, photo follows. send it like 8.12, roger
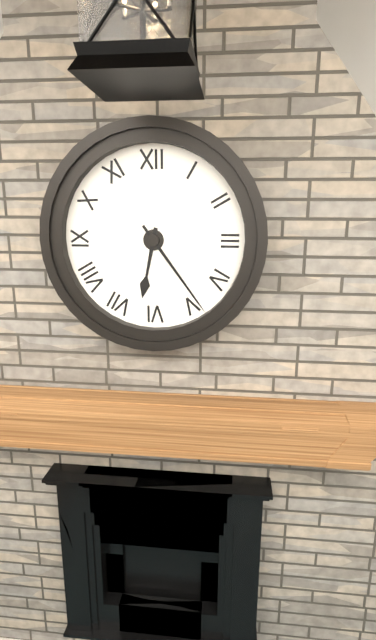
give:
6.24
